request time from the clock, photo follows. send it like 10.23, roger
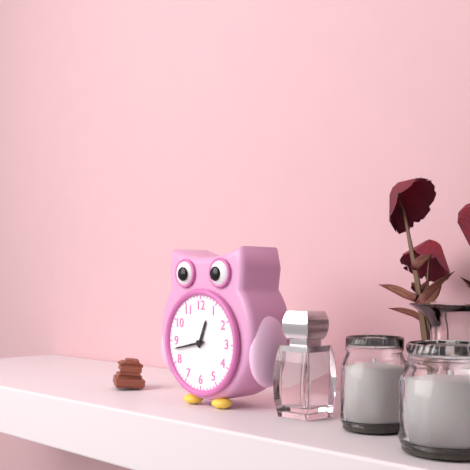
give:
12.43
